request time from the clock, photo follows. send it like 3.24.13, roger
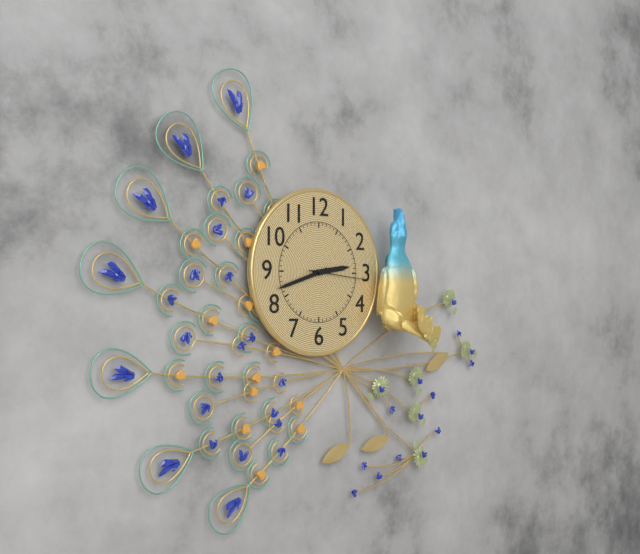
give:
2.42.16
